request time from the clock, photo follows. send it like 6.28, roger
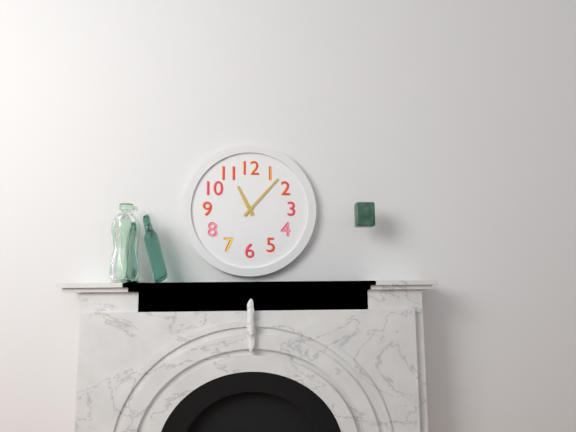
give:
11.07
